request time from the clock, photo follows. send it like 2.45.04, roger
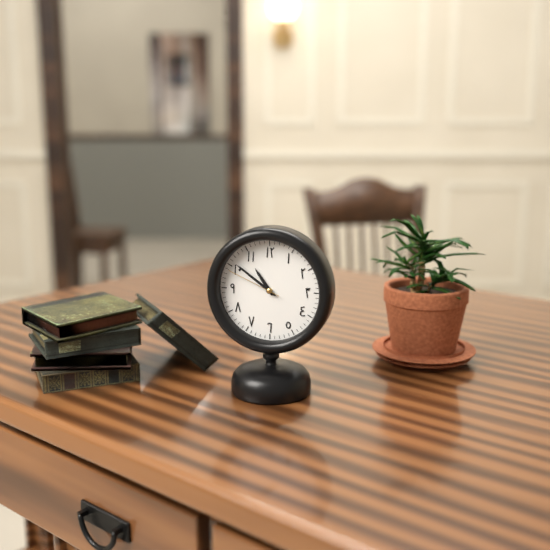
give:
10.51.49
